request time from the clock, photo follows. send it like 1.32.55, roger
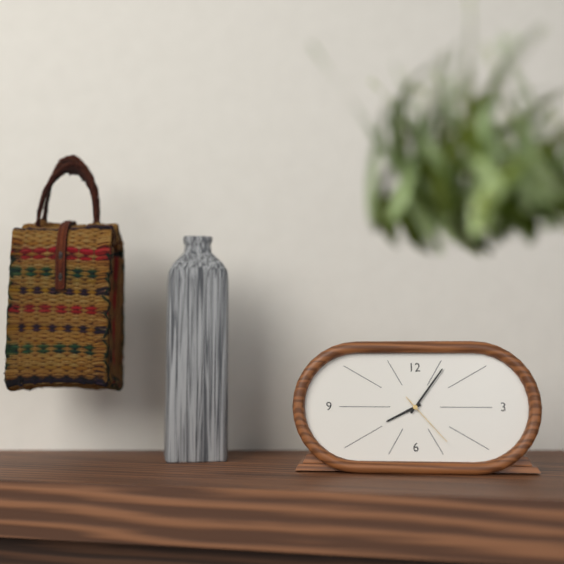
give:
8.06.23
